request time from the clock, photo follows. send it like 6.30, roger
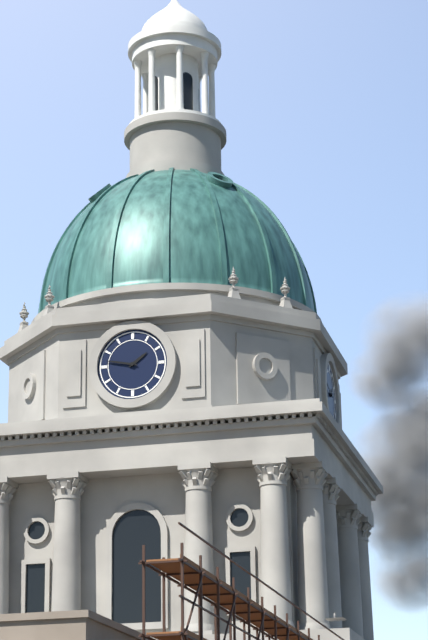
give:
1.47
